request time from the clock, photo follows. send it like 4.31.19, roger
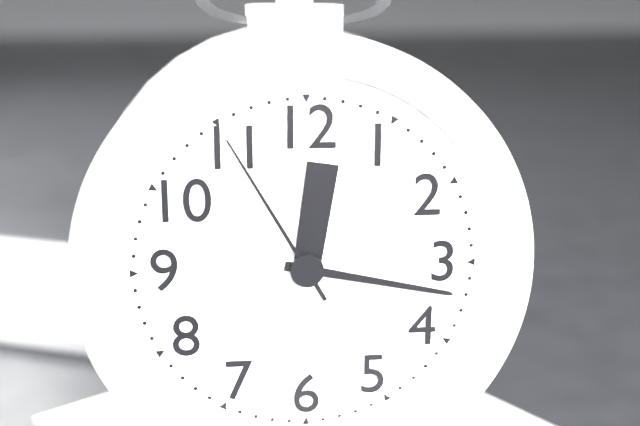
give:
12.17.55
